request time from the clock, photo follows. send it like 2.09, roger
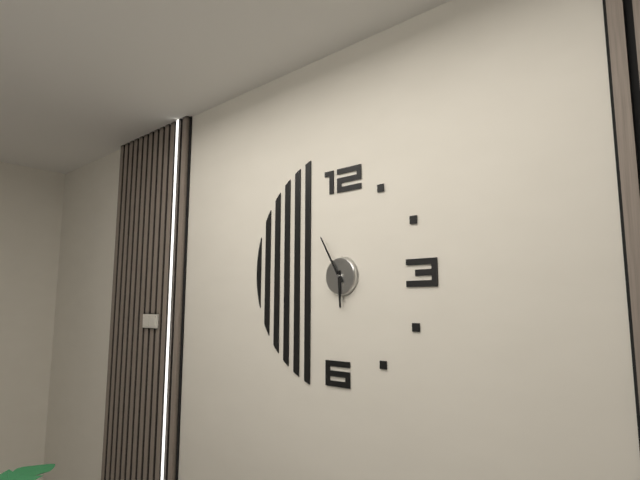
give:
5.55
